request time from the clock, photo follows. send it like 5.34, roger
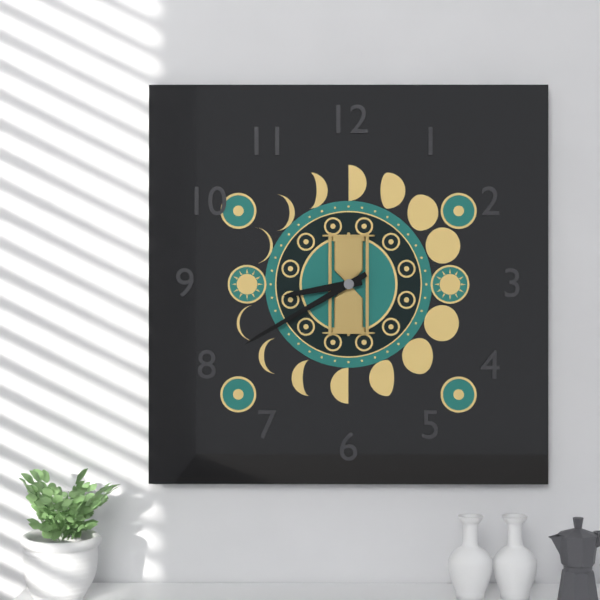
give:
8.40
